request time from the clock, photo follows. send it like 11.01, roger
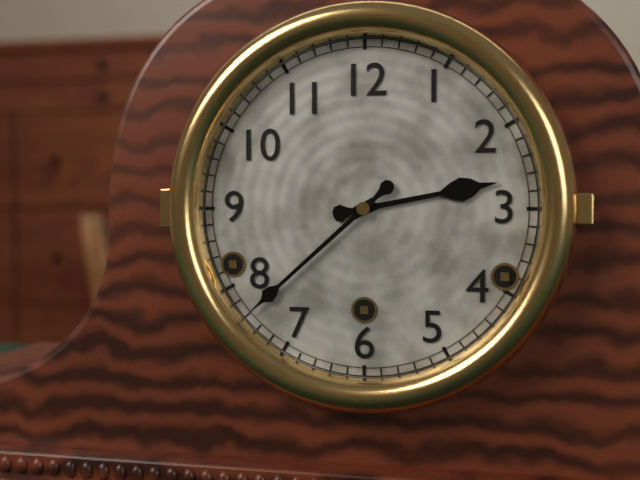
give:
2.38
